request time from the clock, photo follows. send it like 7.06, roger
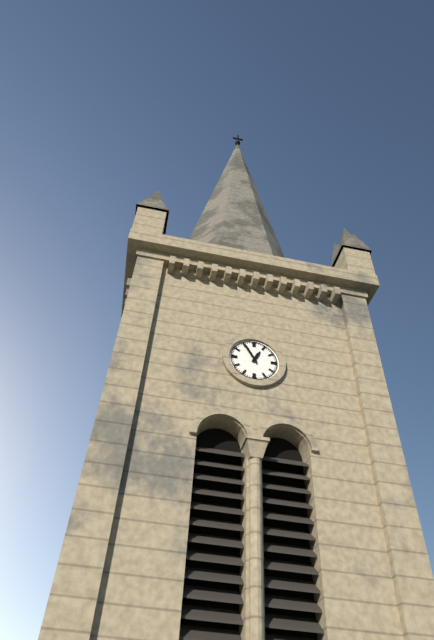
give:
12.55
